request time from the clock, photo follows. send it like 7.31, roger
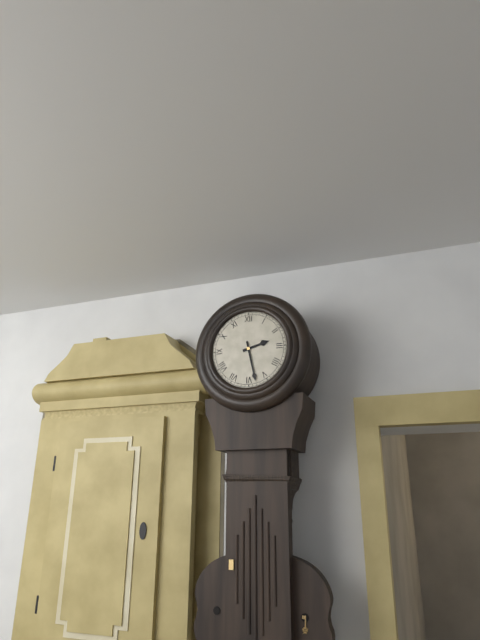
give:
2.28
